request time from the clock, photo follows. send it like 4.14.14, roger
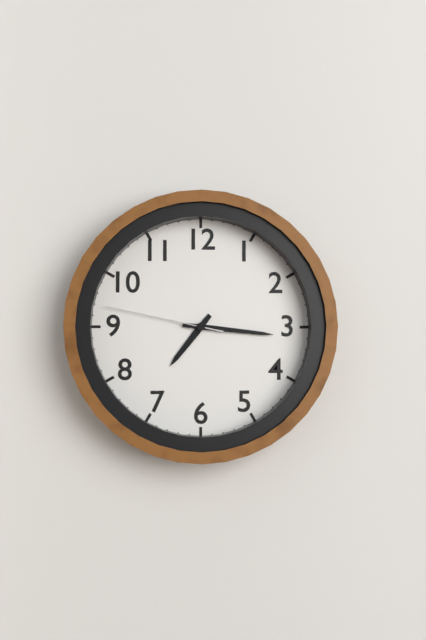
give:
7.16.47
